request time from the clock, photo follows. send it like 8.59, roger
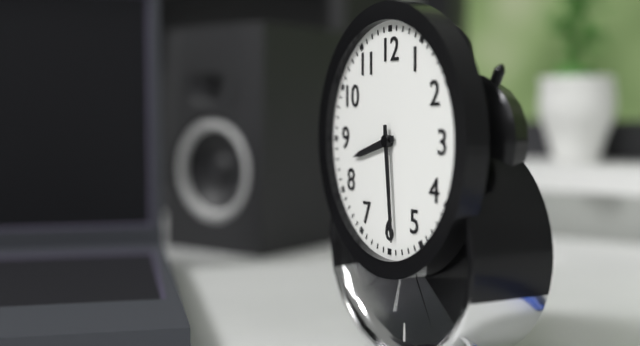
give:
8.29
